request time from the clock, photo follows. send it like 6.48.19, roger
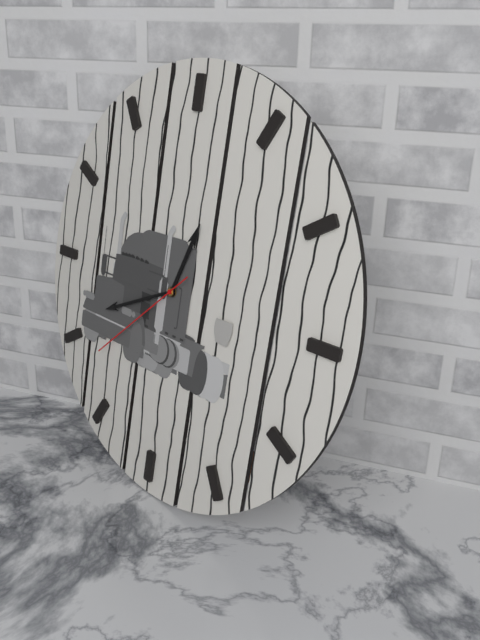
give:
12.41.38
